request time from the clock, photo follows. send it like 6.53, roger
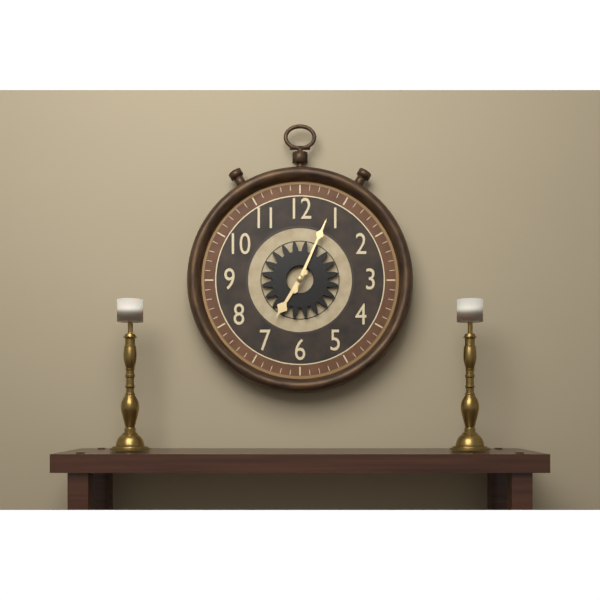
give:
7.04
